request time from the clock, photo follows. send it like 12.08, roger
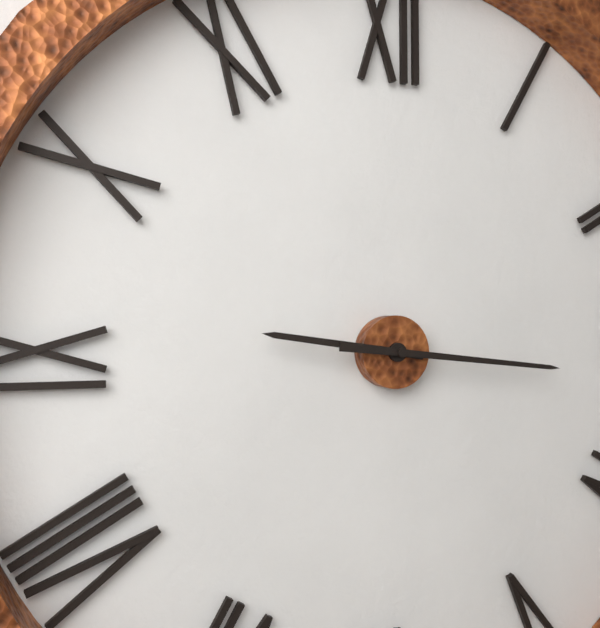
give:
9.16
